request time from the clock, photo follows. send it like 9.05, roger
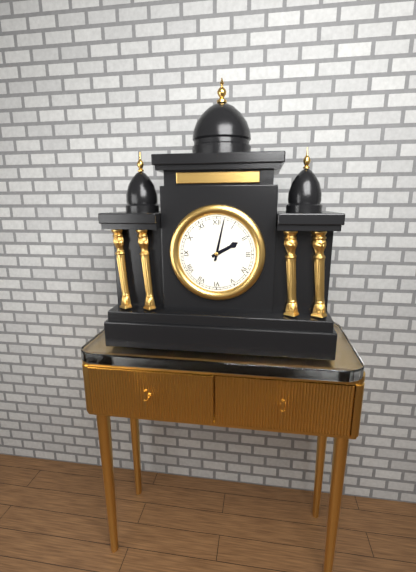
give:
2.02
